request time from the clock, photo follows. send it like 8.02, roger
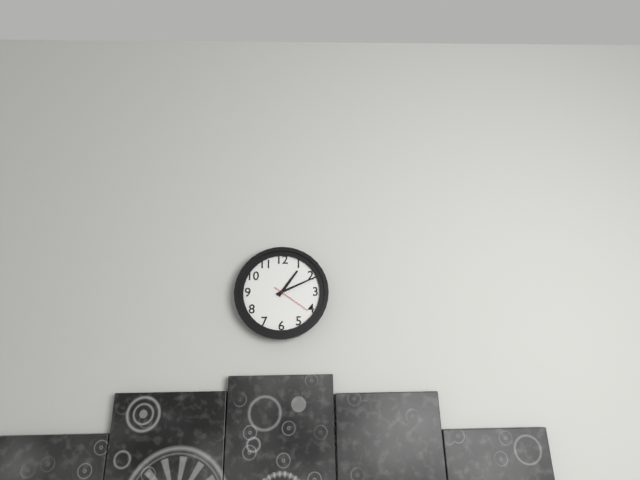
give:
1.11
